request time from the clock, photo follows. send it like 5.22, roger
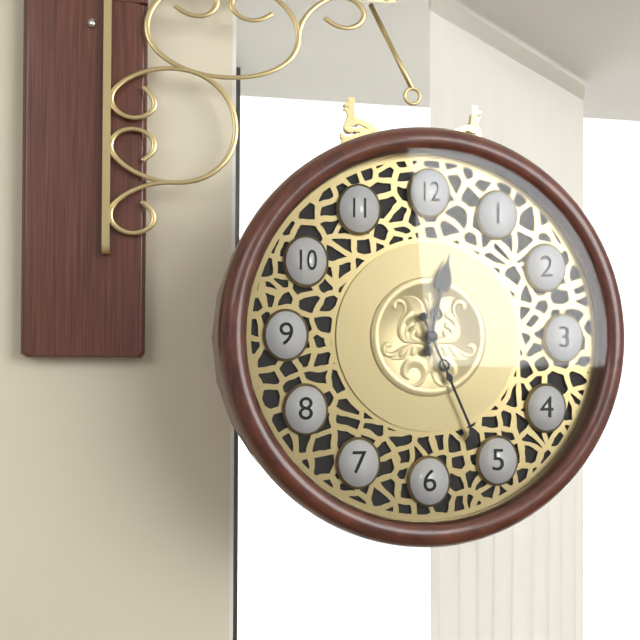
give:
12.26
